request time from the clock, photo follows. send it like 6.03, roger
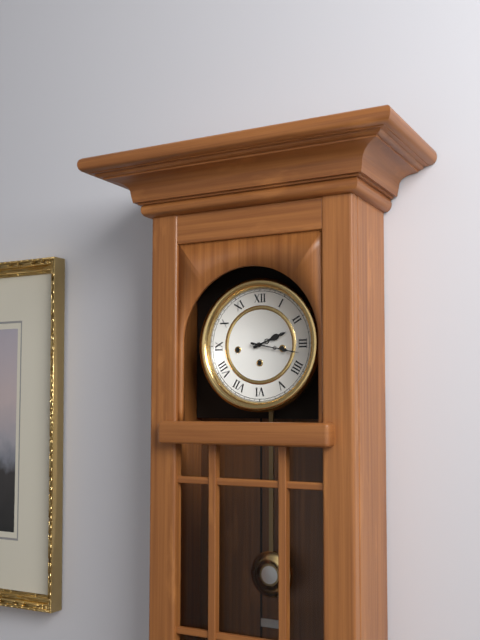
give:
2.17
